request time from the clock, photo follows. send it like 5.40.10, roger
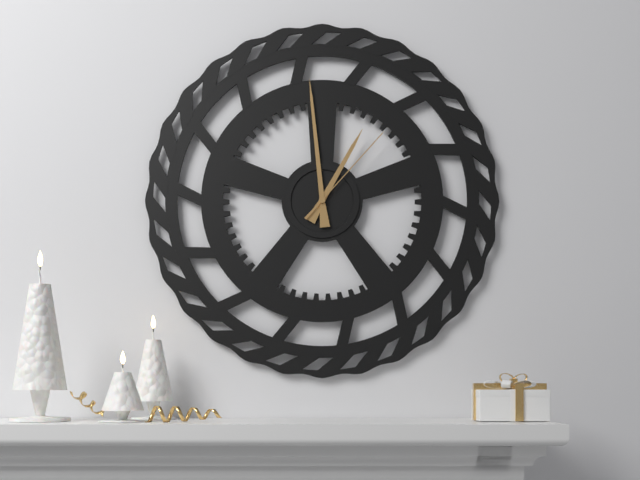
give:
12.59.07
